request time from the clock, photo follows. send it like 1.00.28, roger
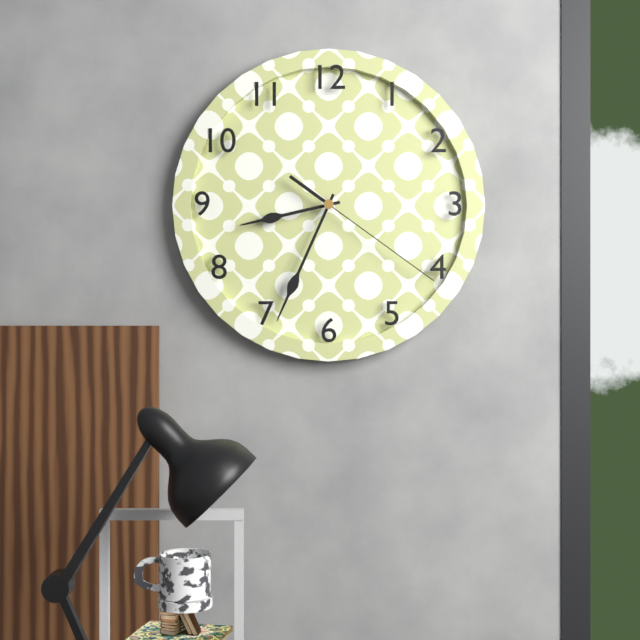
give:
8.34.21
